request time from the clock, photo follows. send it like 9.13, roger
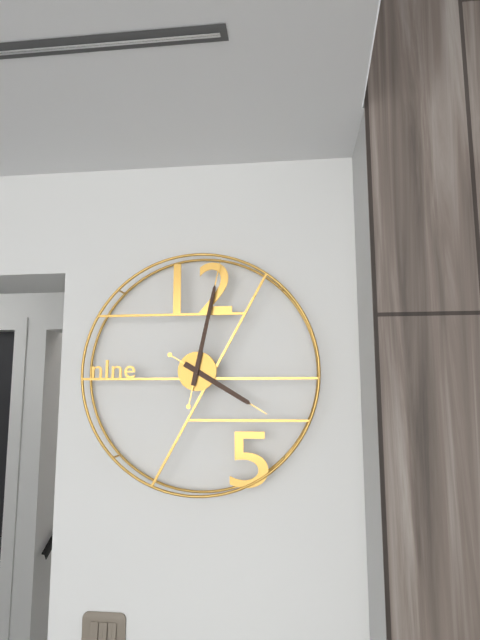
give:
4.02
